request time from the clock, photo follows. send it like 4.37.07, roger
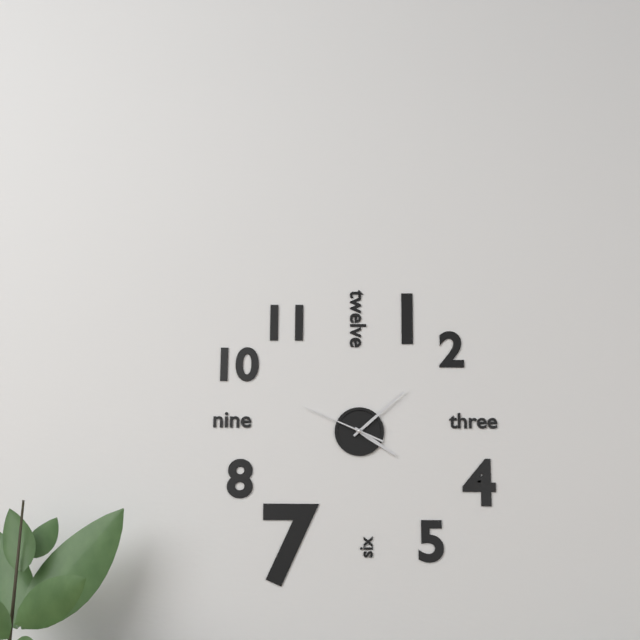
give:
4.08.49
